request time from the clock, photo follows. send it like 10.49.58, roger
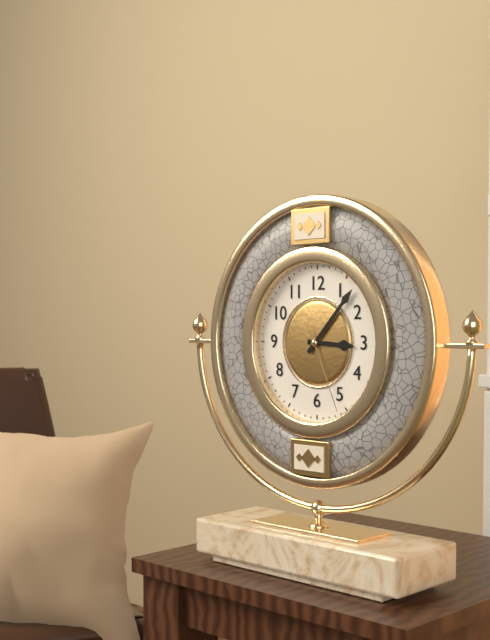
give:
3.07.26
